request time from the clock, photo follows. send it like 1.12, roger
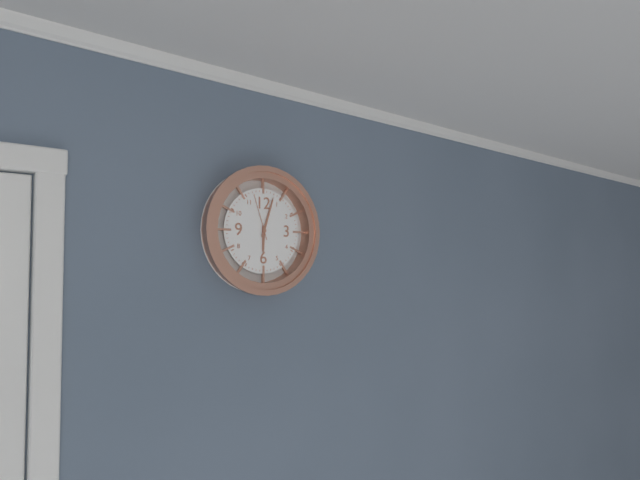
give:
6.03
